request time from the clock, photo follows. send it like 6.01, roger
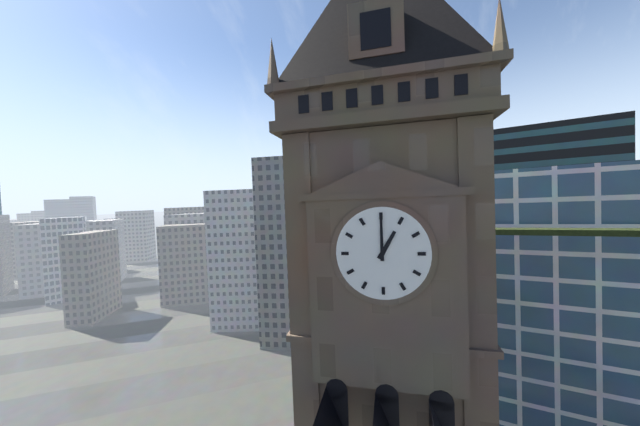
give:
1.00
